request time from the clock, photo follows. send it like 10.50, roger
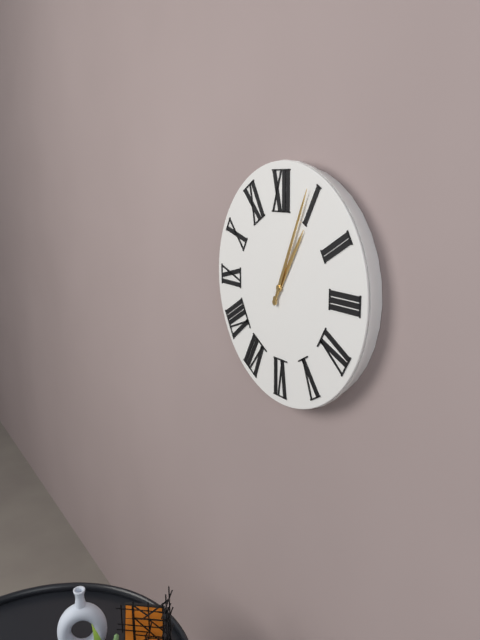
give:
1.04
